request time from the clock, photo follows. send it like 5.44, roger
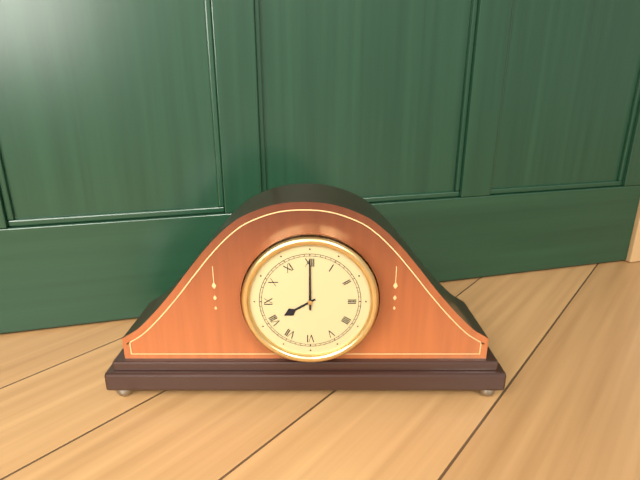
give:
8.00
